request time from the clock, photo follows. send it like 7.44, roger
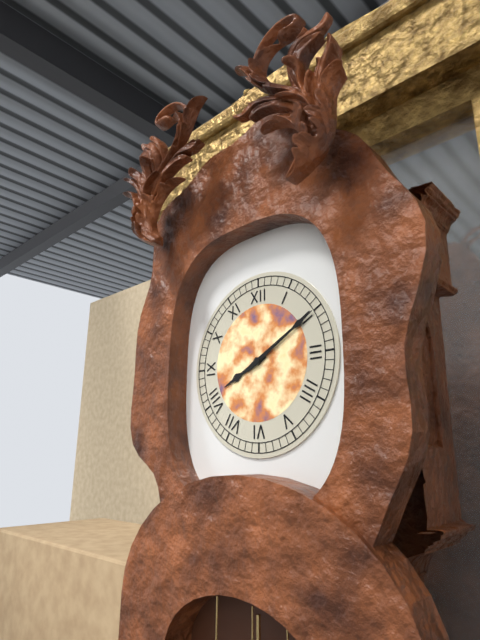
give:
8.10
